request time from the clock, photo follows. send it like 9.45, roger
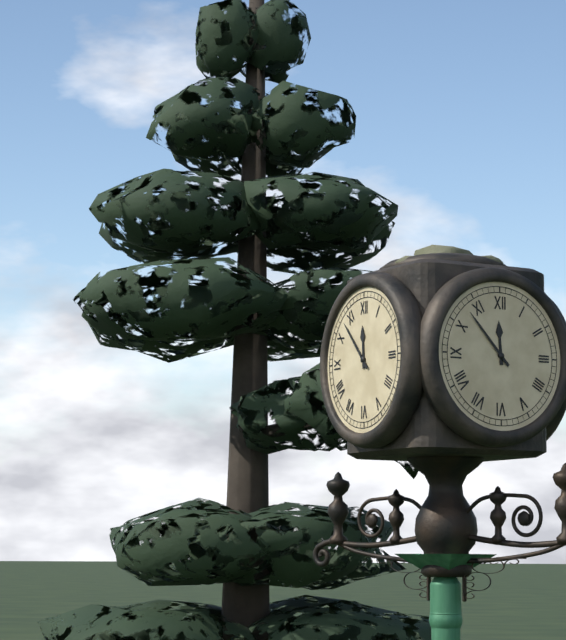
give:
11.53
